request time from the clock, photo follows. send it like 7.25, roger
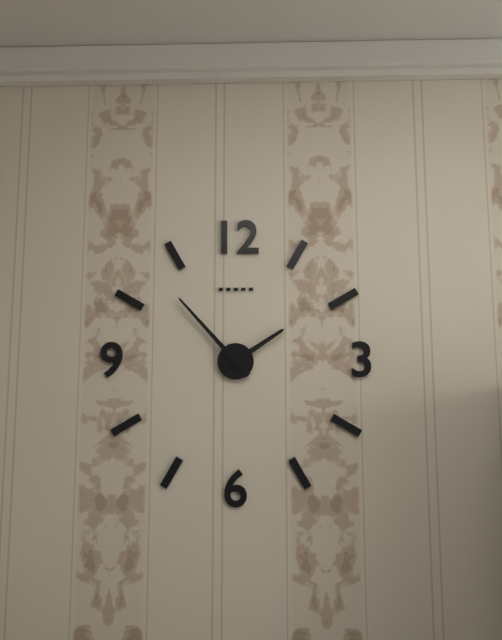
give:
1.53
